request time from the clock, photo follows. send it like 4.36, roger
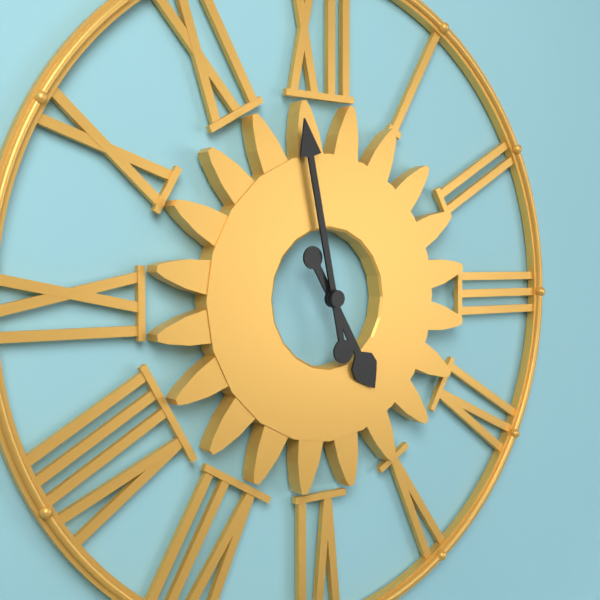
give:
4.58
